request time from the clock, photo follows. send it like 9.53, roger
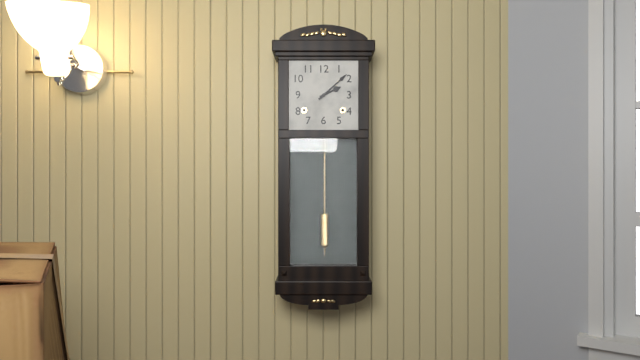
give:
2.08
